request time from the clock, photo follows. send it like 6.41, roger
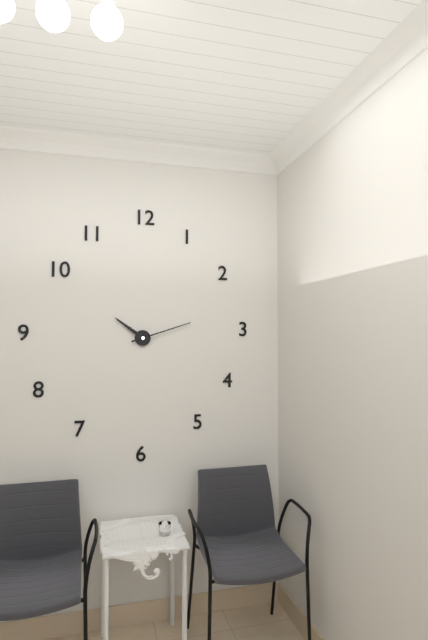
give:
10.12
